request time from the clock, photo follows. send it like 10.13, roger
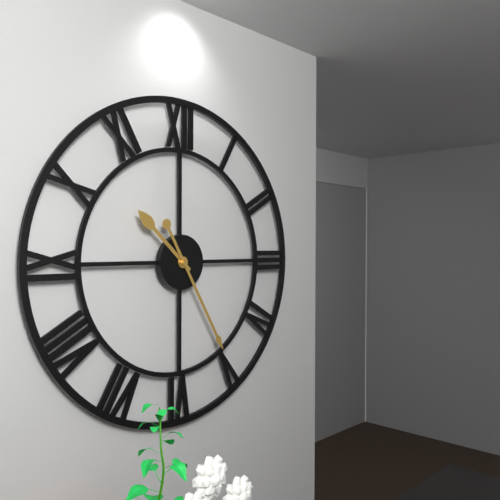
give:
10.25
